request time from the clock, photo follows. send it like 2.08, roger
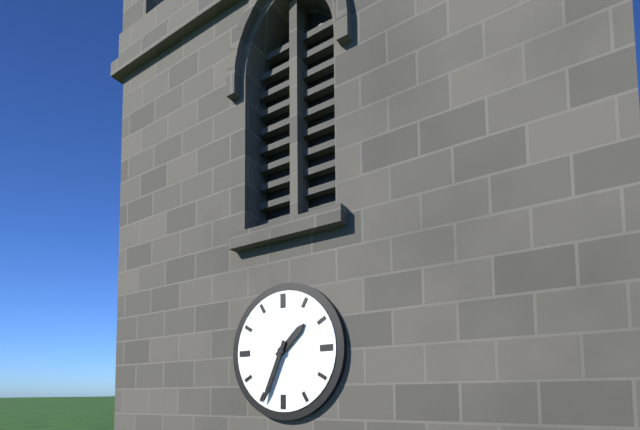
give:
1.34
